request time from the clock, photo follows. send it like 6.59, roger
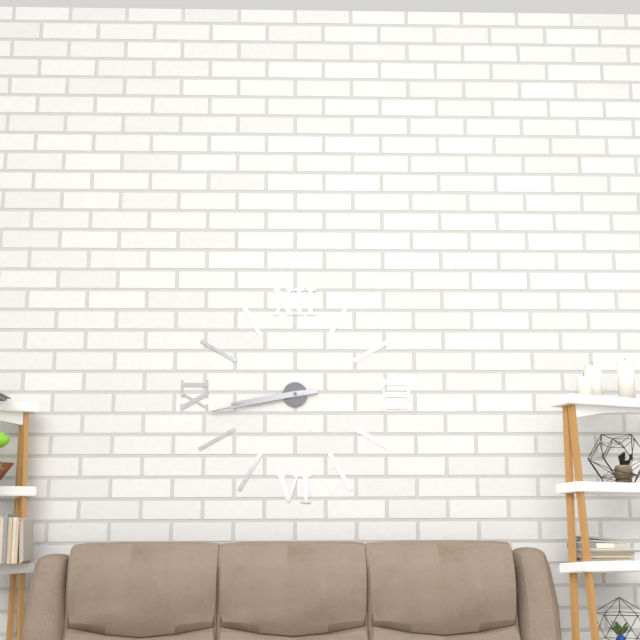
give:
8.43
